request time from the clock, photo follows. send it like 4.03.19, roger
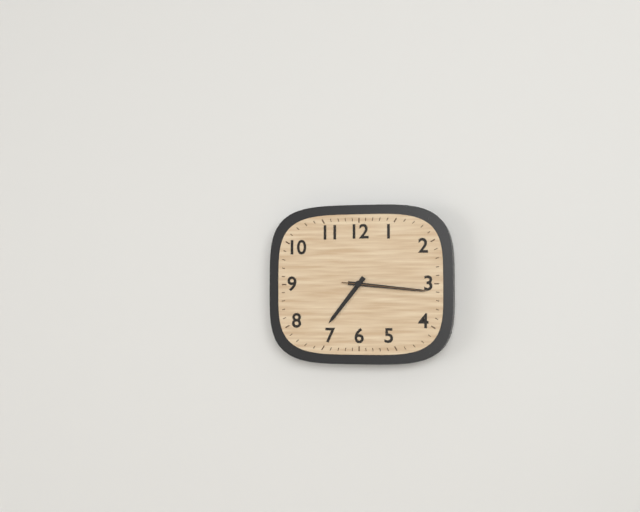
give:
7.16.16
